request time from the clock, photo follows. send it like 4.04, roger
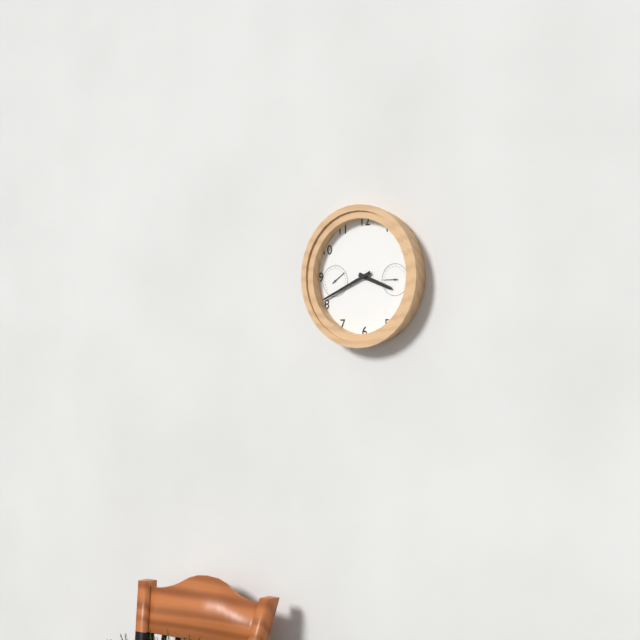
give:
3.41
